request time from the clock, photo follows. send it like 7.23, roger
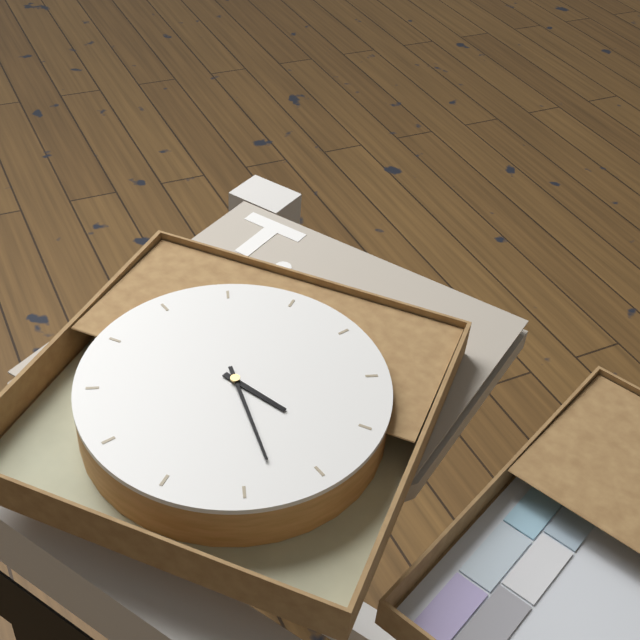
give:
4.28
